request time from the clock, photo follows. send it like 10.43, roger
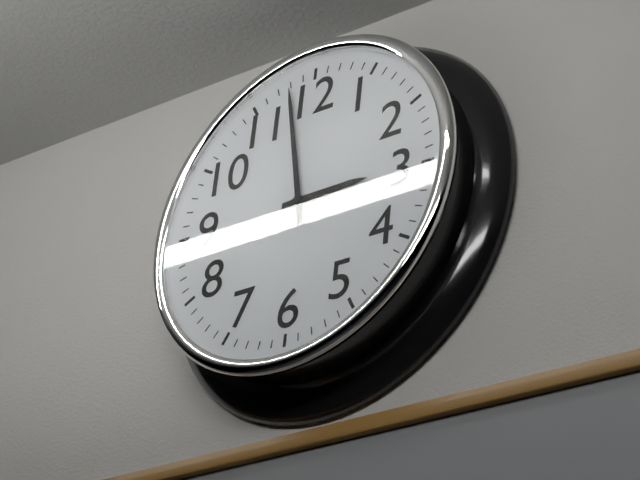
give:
2.58
